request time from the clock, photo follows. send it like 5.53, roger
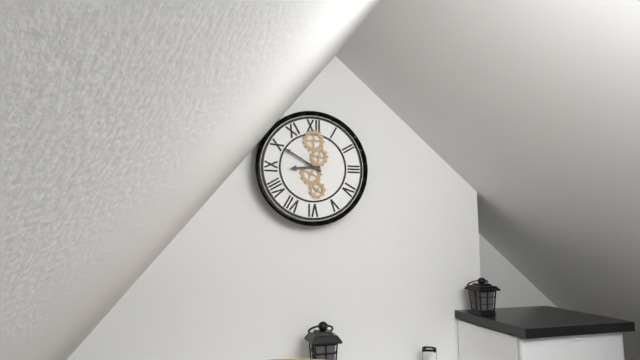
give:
8.50
